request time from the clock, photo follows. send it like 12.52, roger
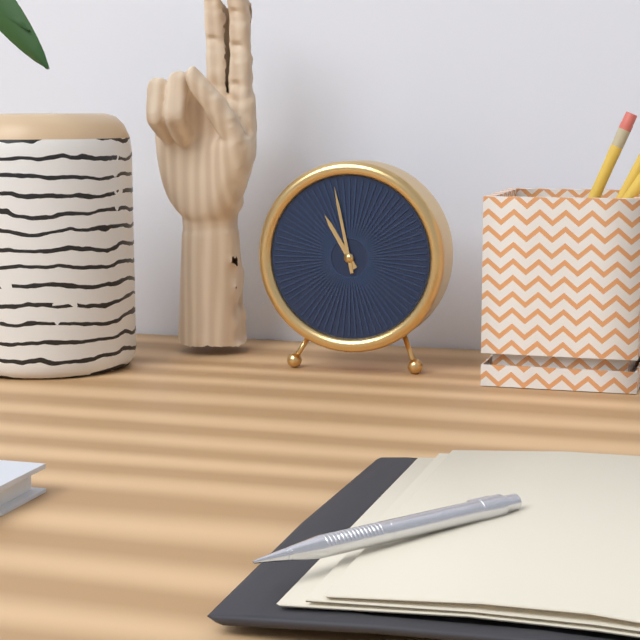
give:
10.58
